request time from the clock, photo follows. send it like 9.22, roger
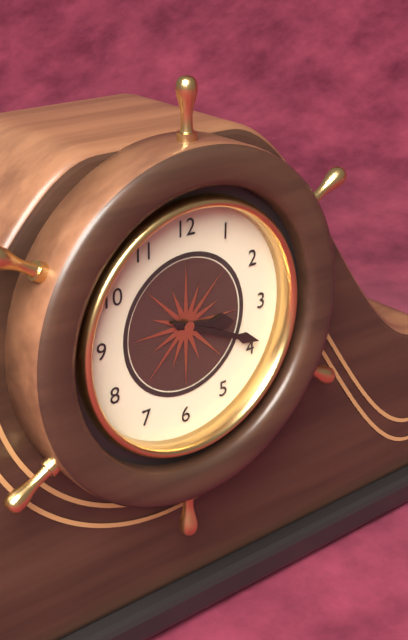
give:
3.19
